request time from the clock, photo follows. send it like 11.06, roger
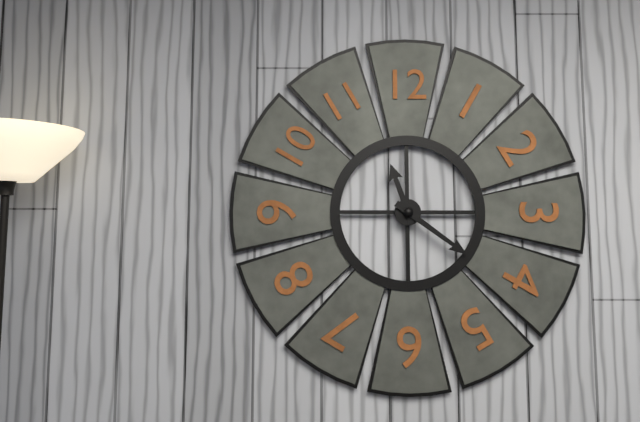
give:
11.21
